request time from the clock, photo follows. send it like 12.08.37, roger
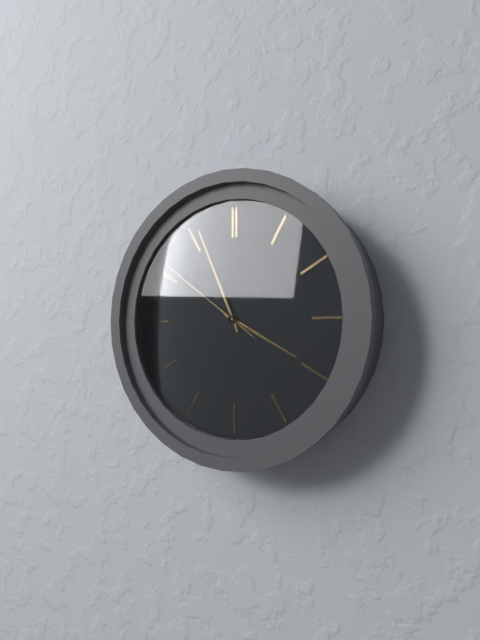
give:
3.56.51
